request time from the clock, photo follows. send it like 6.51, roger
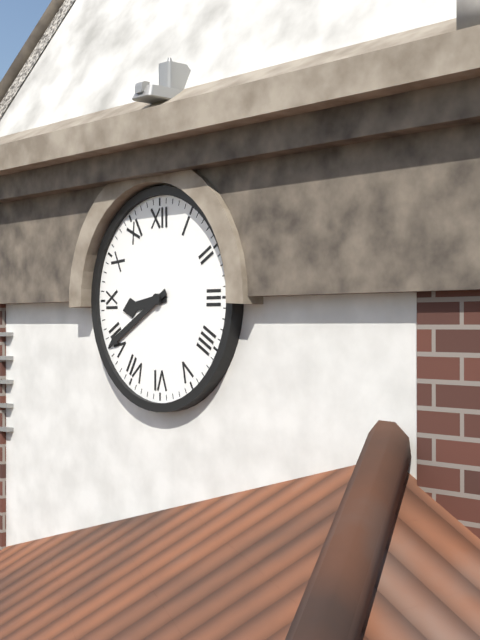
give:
8.40
